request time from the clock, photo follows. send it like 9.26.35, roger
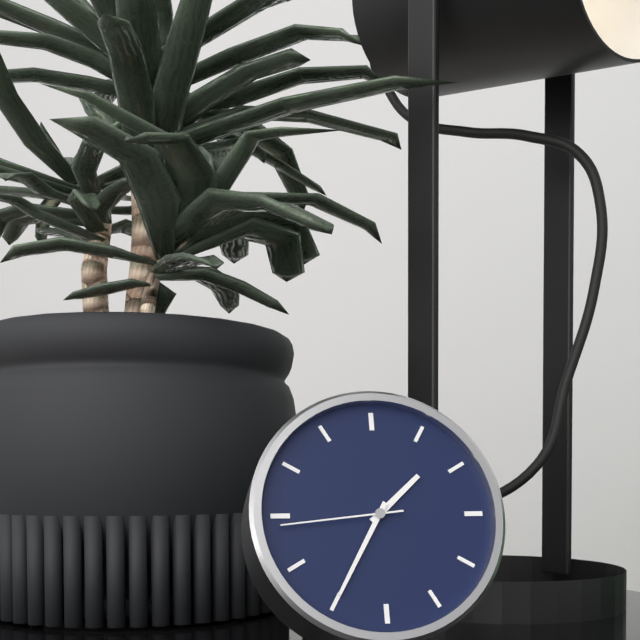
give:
1.35.44
